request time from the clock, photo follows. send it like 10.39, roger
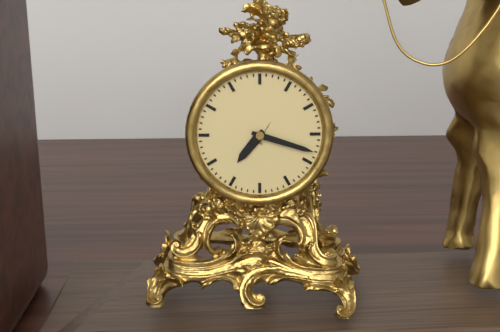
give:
7.18
